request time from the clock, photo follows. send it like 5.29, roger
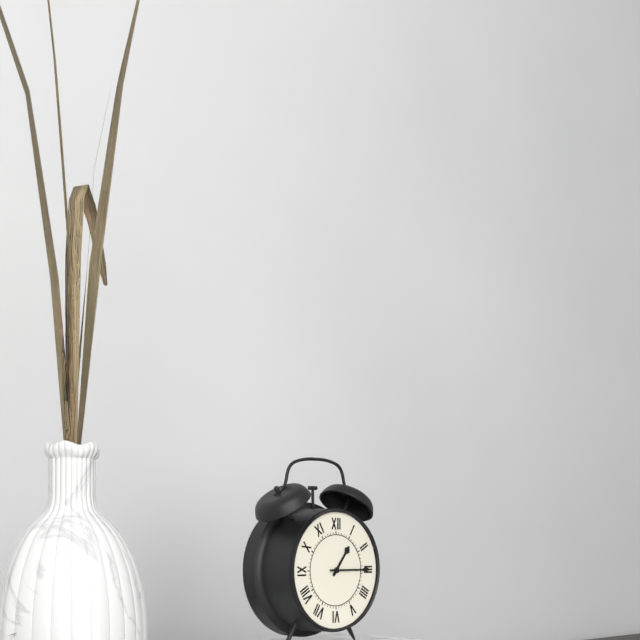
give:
1.15
